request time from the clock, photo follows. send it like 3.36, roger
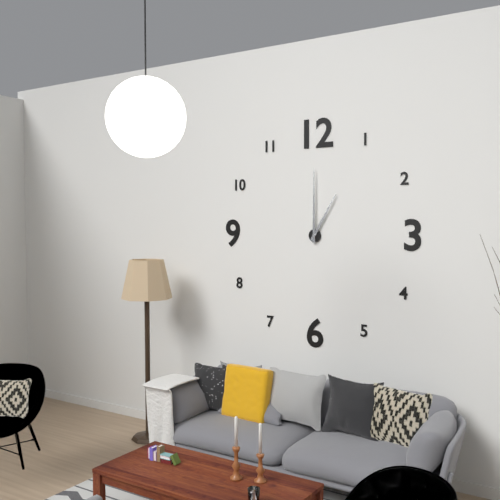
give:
1.00
